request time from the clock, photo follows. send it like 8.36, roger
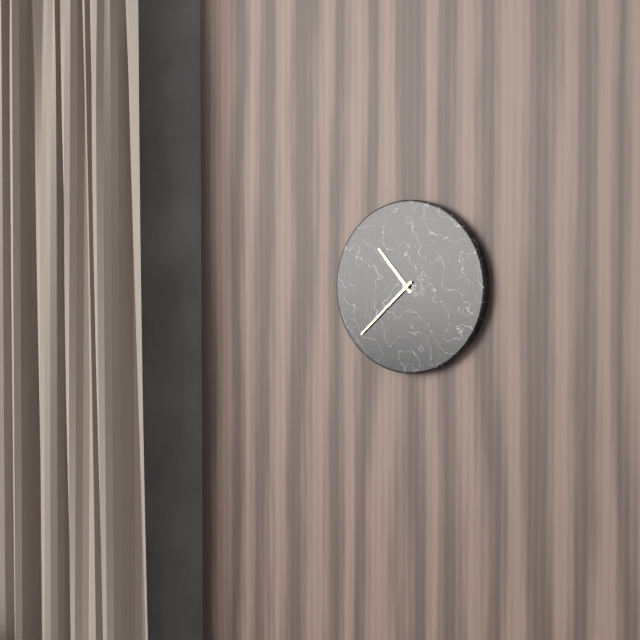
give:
10.38
